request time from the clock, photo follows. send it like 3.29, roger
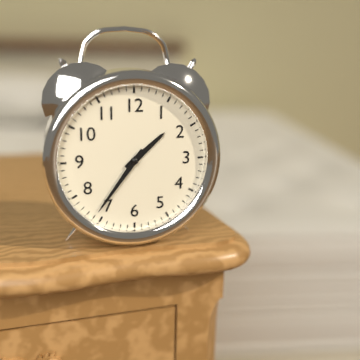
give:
1.36
